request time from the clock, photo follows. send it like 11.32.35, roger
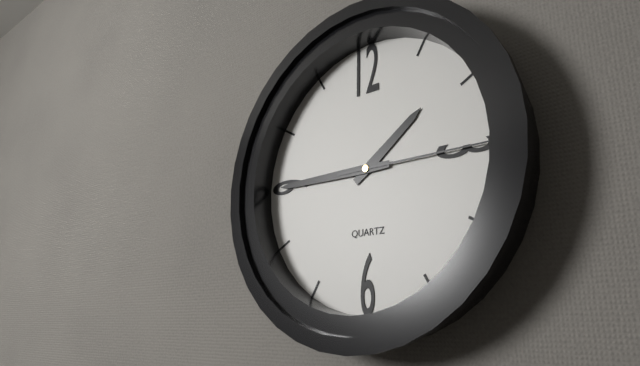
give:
1.45.15
